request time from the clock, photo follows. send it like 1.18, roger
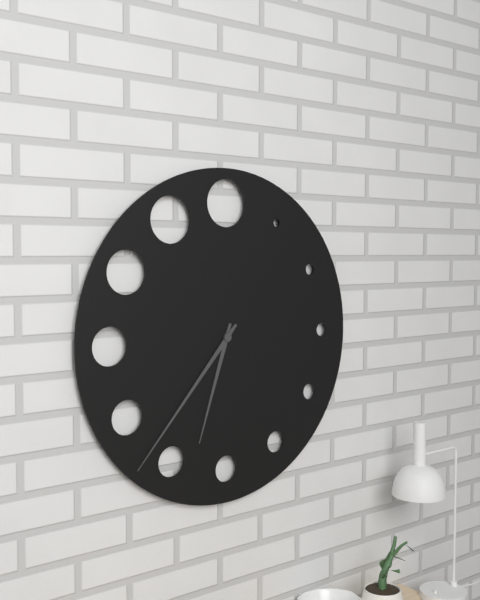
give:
6.37
